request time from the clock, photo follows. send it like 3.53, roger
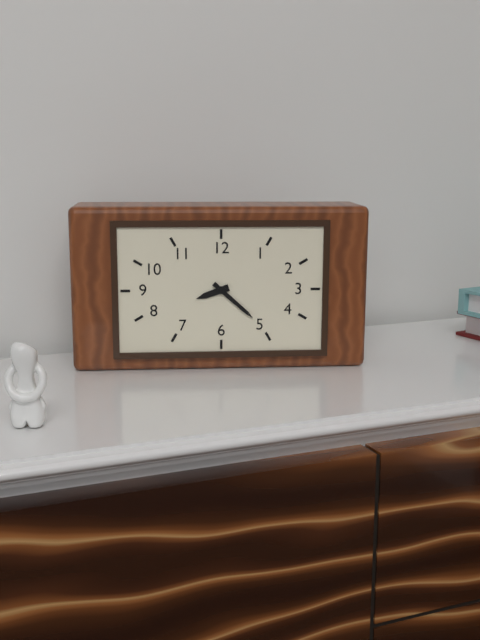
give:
8.22
